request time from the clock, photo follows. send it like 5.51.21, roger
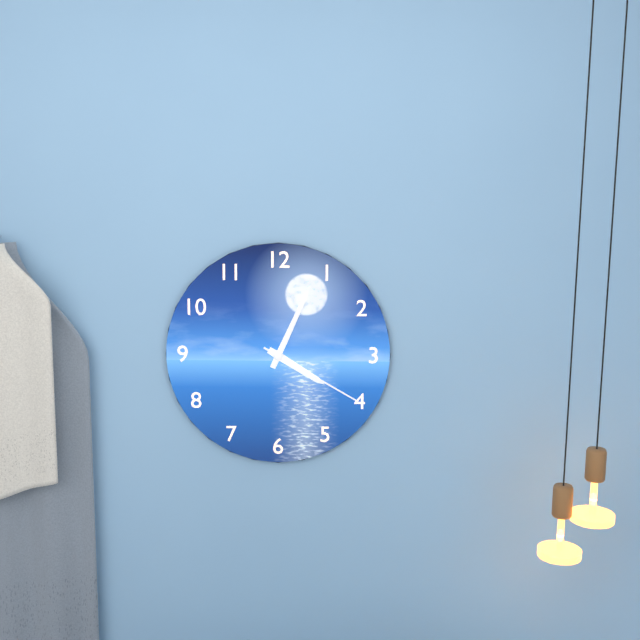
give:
4.04.20
